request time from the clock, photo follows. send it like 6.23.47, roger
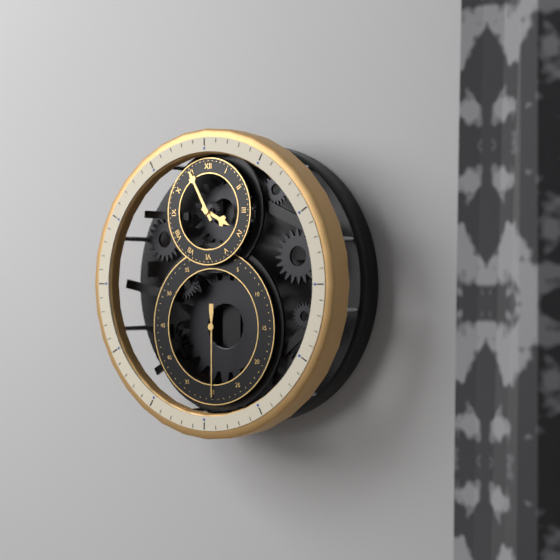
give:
3.55.30
